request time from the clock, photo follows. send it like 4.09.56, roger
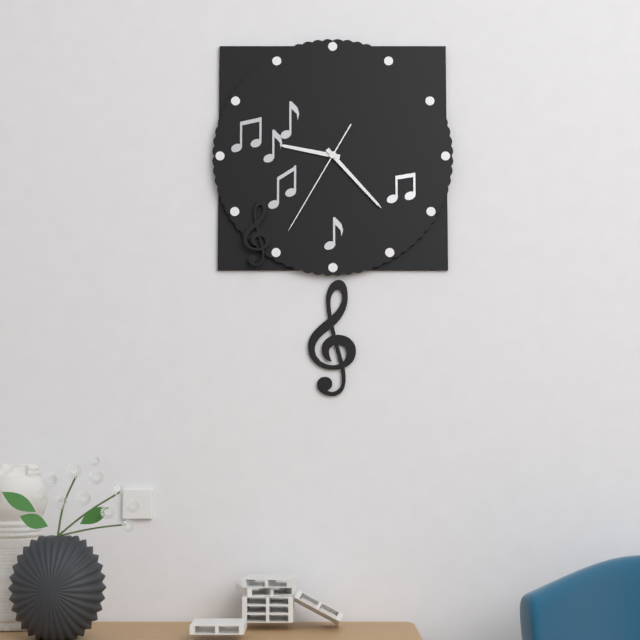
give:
9.23.35
